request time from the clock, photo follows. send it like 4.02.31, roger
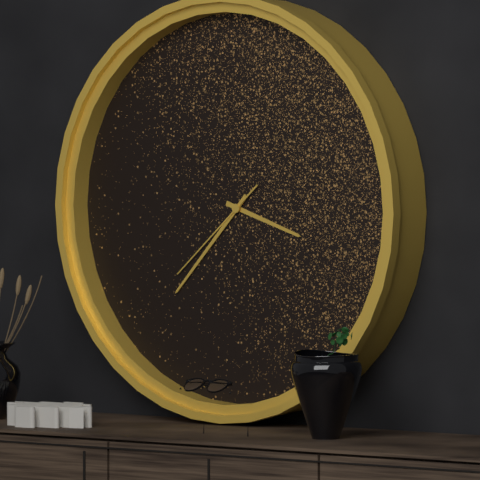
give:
3.37.38
